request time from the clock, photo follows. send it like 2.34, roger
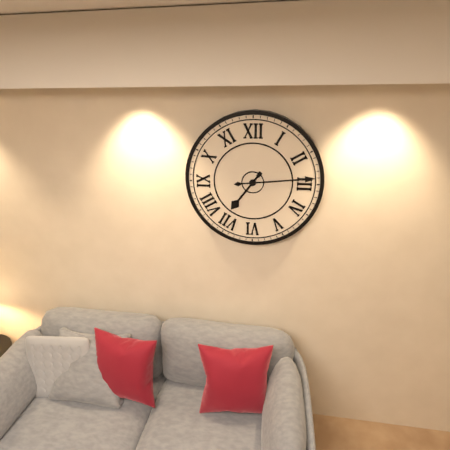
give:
7.14
